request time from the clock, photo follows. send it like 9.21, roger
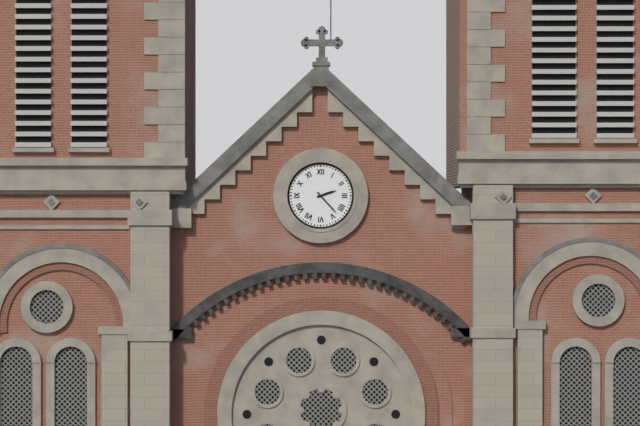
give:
2.23
